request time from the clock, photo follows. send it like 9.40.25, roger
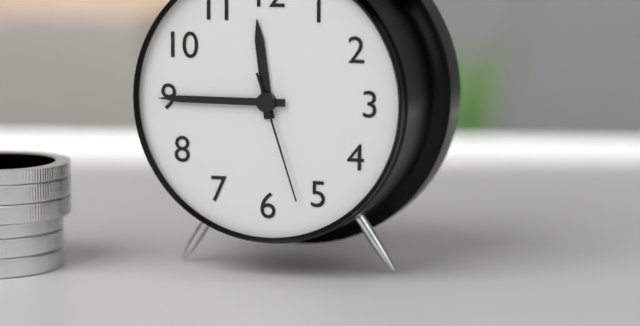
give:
11.45.27
